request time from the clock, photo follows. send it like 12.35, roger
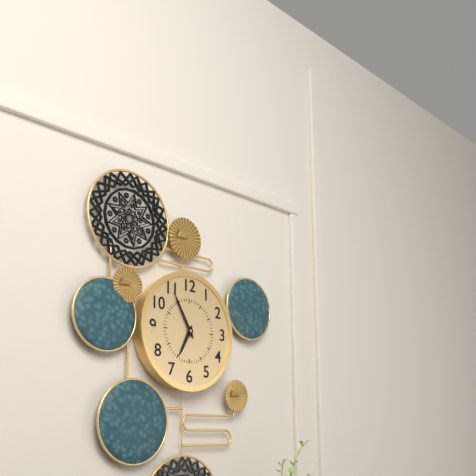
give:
6.55
